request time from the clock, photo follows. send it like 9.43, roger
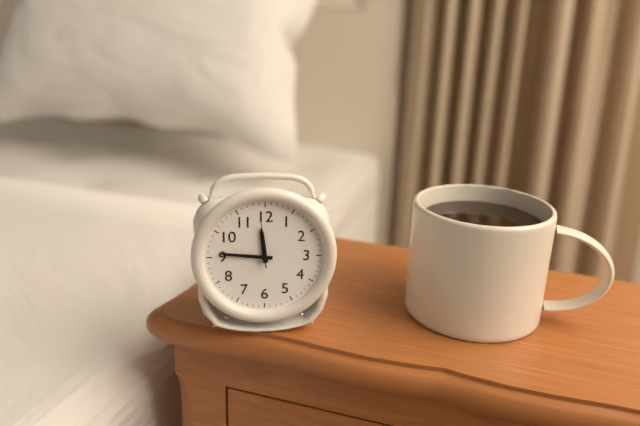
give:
11.46
